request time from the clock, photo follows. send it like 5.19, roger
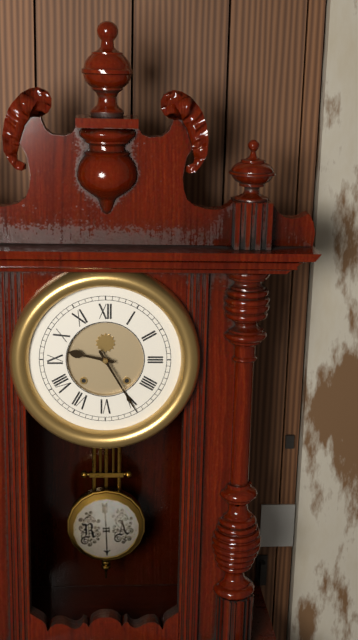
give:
9.25
